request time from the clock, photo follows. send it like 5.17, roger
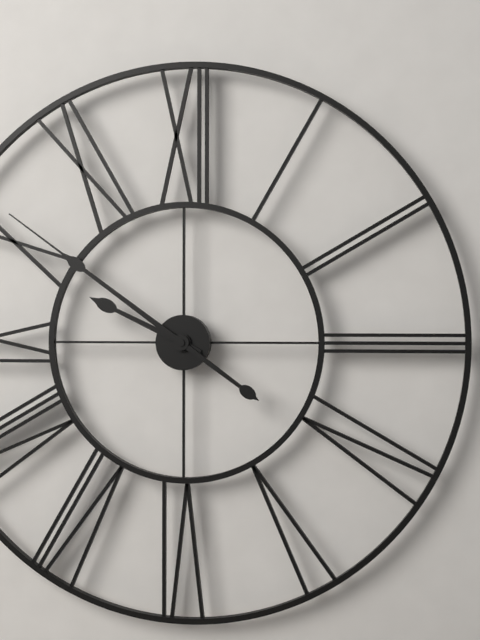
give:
9.51
